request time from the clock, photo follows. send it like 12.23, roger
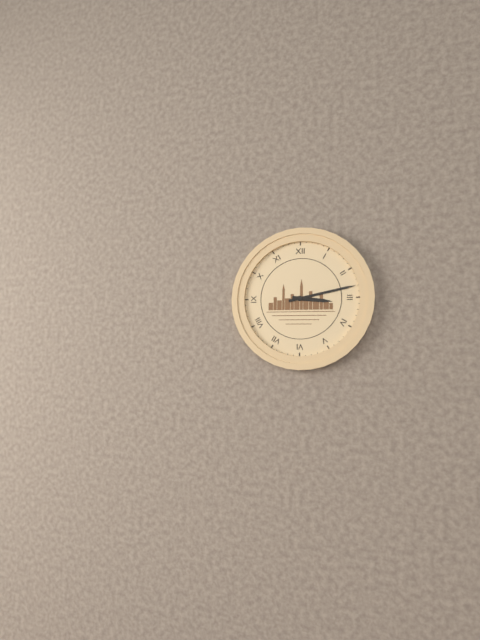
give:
3.13
